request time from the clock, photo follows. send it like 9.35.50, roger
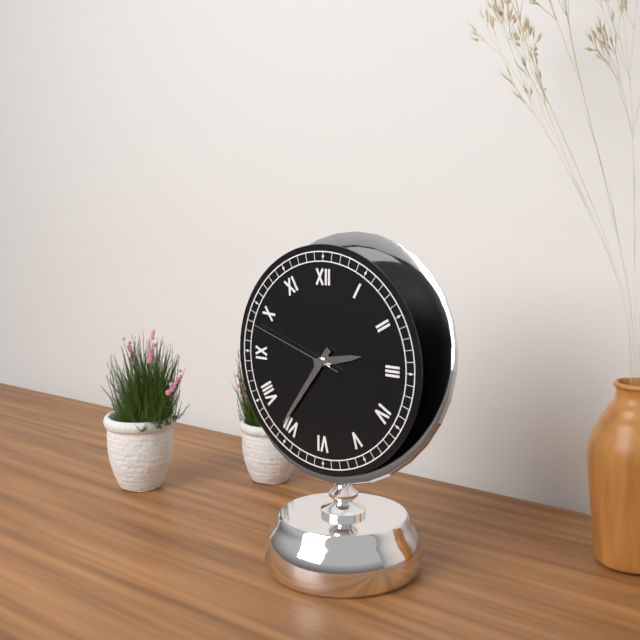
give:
2.36.48
